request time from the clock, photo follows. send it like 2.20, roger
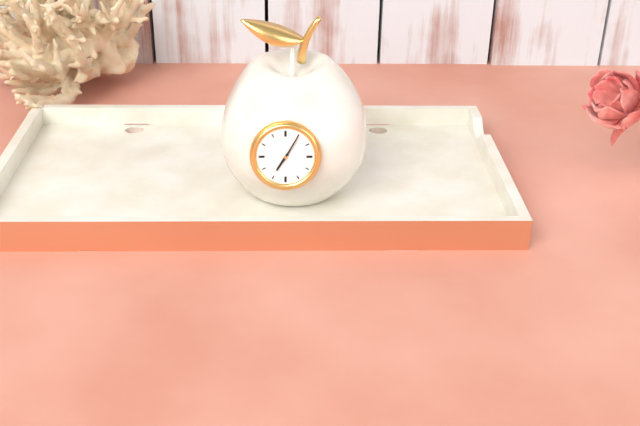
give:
7.05
